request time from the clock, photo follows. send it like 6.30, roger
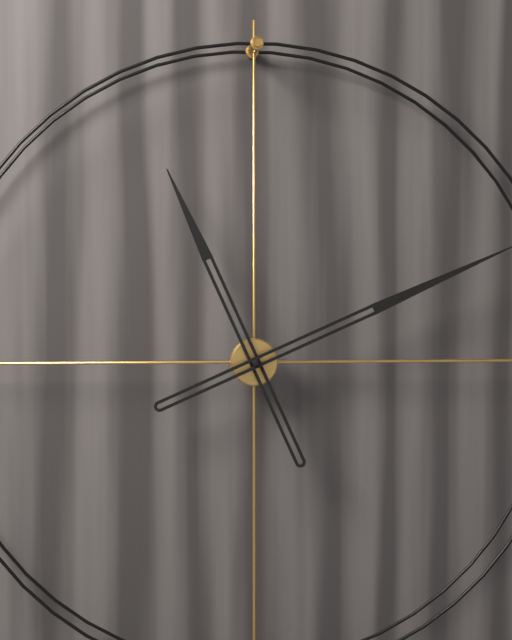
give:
11.11
